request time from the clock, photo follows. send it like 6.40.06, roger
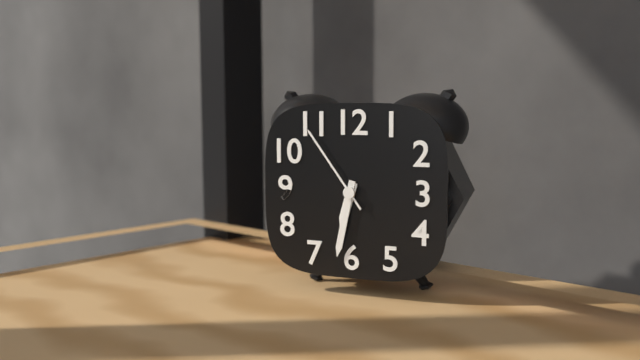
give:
6.32.54
